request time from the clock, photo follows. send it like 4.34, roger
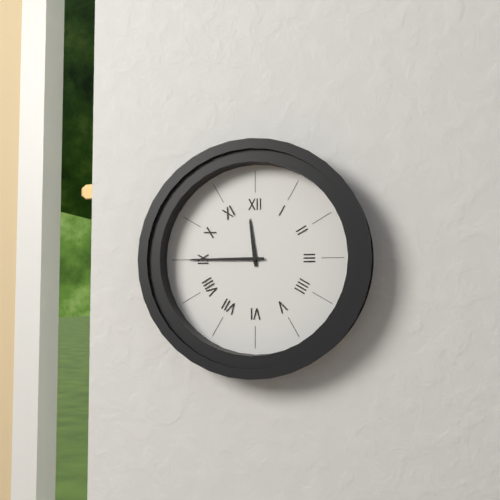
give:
11.45
